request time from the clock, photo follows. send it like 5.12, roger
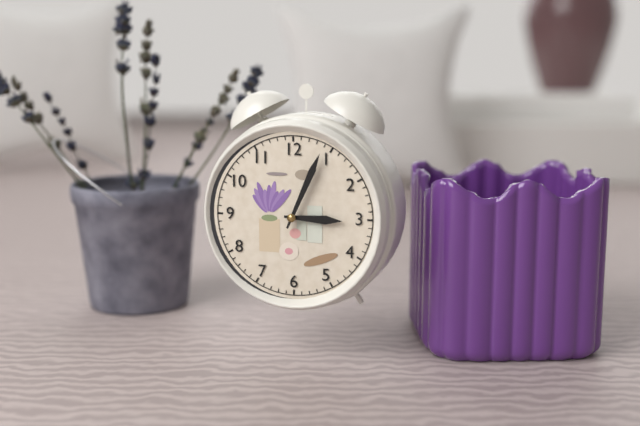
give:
3.04
